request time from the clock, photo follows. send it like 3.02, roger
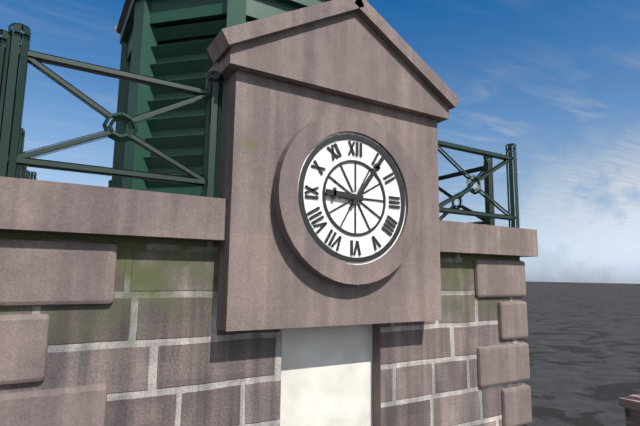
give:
9.06
